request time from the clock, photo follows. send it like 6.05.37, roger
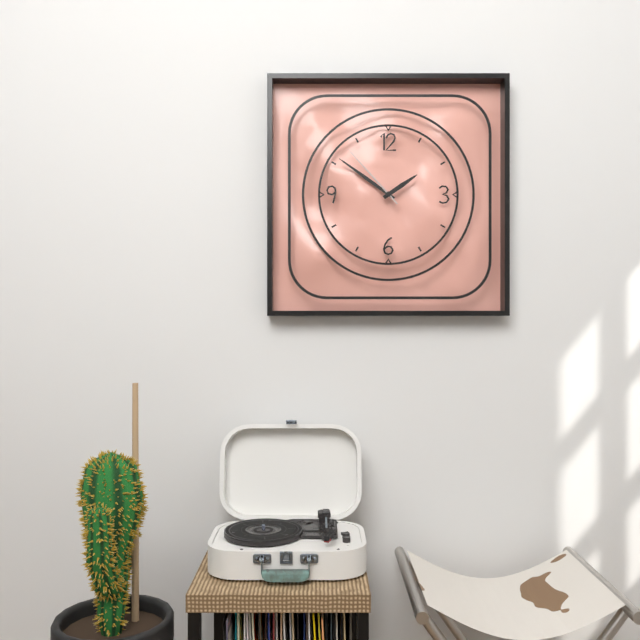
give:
1.51.53
